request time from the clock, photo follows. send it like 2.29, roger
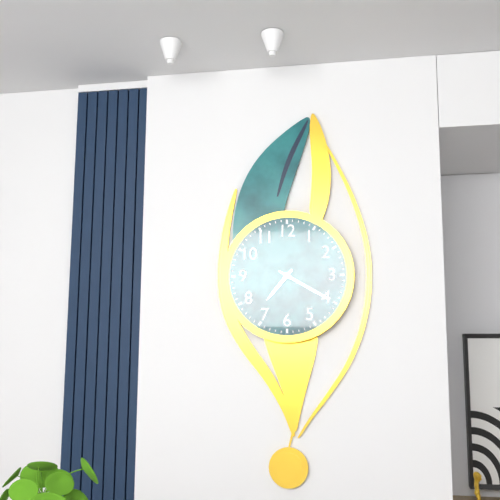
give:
7.20
